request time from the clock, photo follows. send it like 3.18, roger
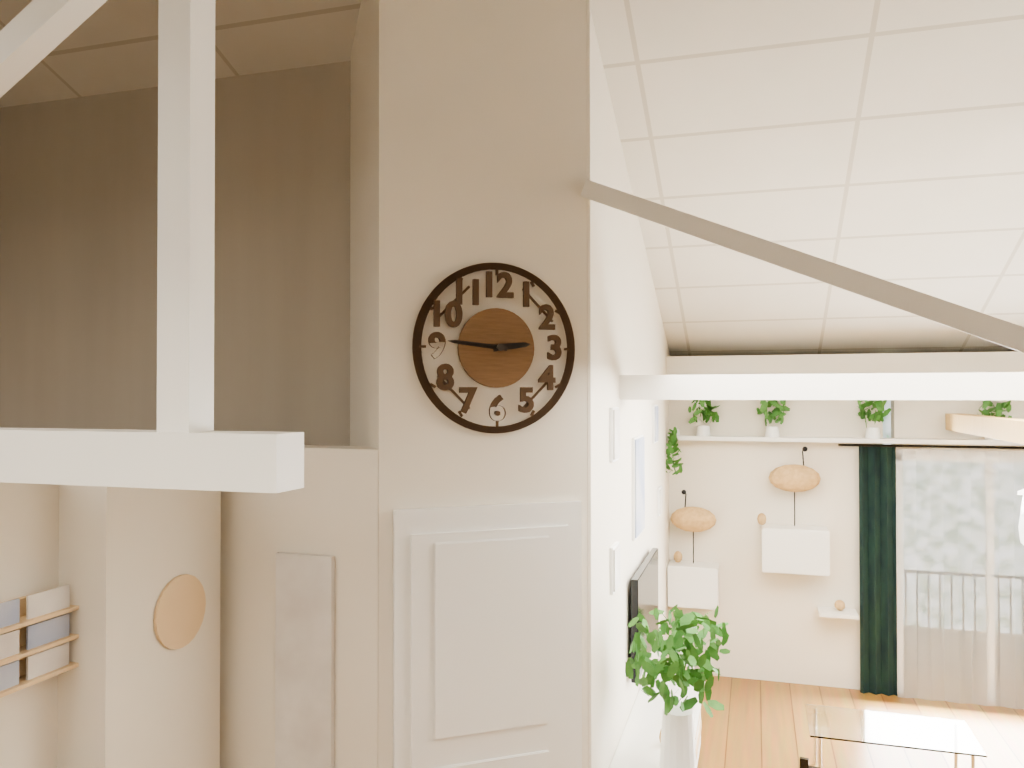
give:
2.46
